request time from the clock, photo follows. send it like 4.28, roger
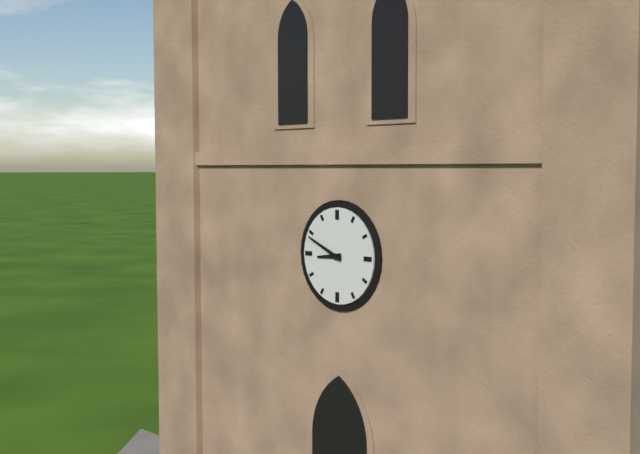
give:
8.49
